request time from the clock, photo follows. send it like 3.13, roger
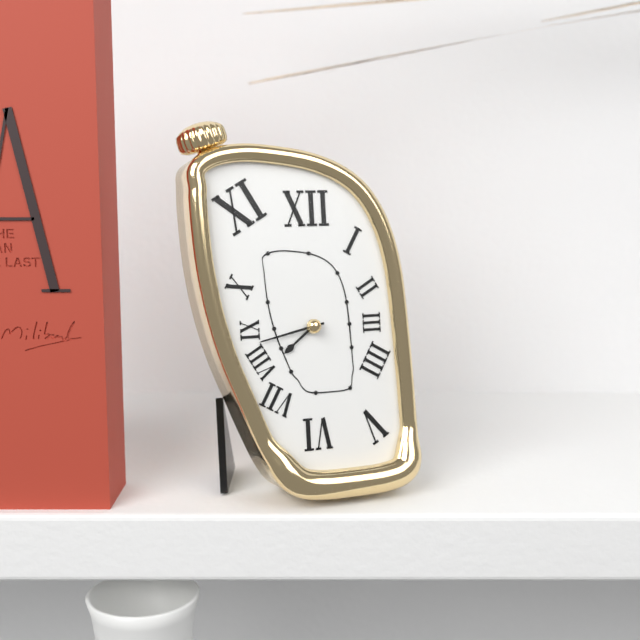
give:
7.43
